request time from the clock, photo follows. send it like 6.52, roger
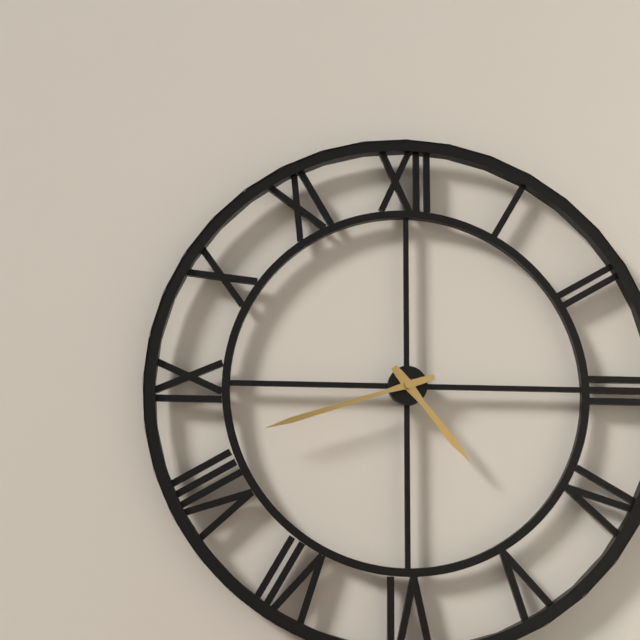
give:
4.42
